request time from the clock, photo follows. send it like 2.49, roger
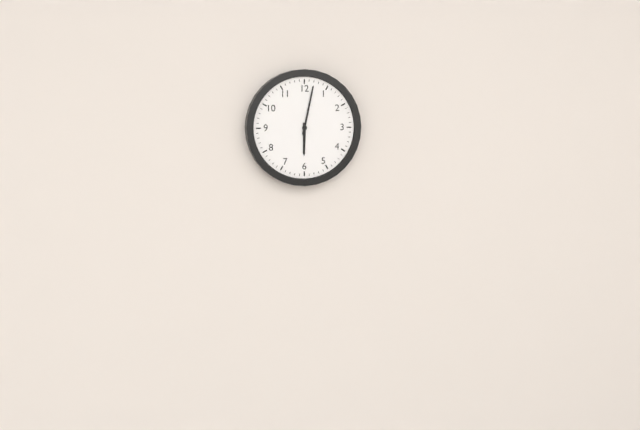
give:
6.02
